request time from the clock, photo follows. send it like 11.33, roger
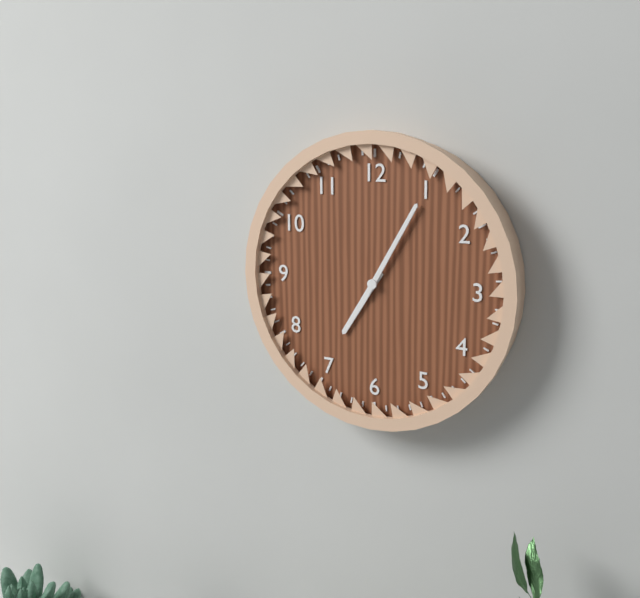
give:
7.05
